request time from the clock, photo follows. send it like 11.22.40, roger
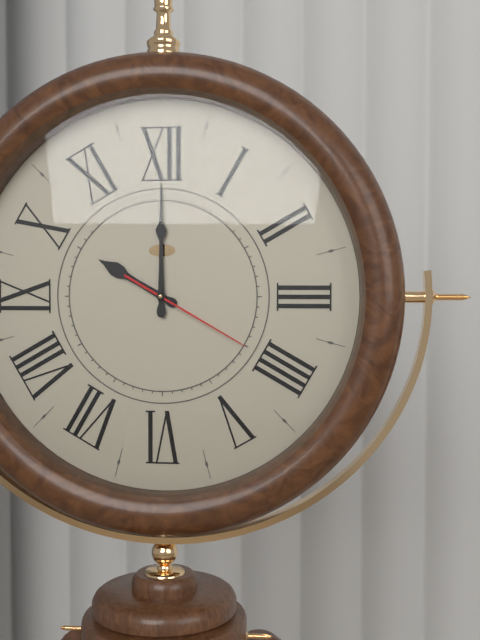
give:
10.00.20
